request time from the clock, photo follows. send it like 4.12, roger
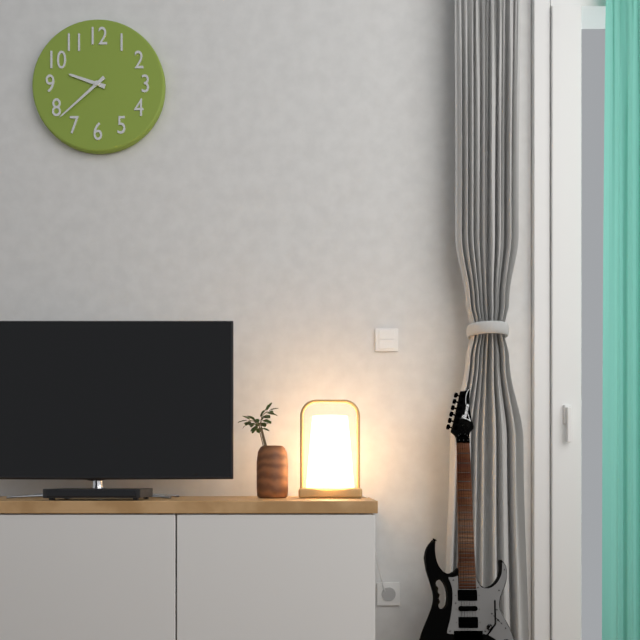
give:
9.38
